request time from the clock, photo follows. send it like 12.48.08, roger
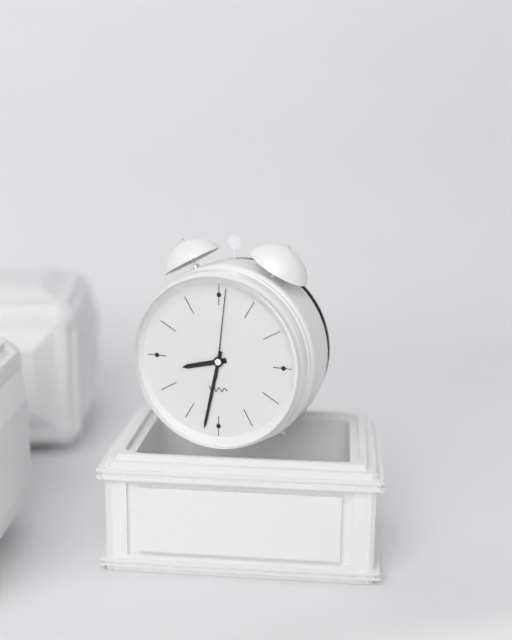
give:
8.32.01
